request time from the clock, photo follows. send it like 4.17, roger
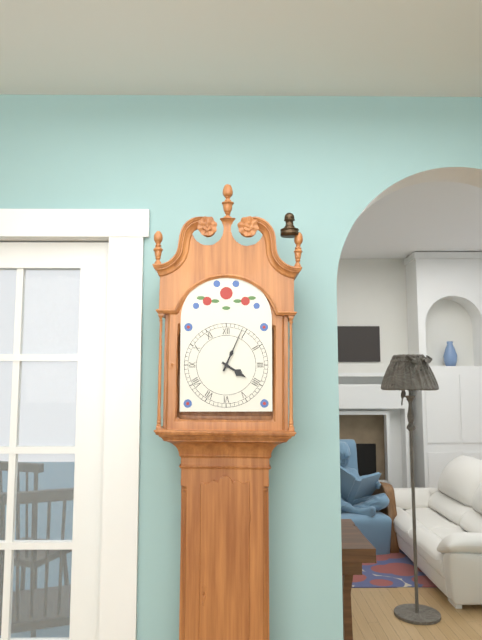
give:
4.04
